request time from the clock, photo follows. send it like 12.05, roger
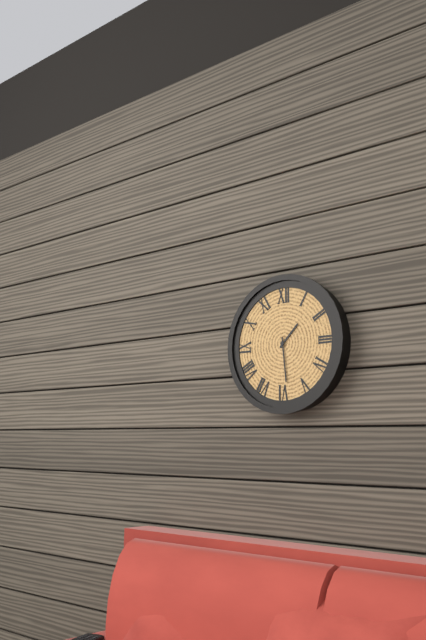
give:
1.29
